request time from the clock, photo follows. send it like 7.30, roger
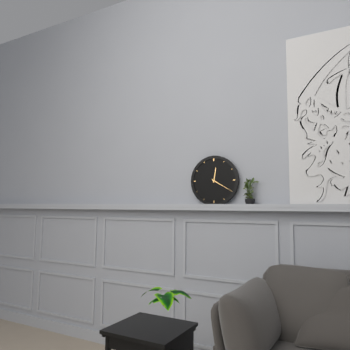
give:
12.20
